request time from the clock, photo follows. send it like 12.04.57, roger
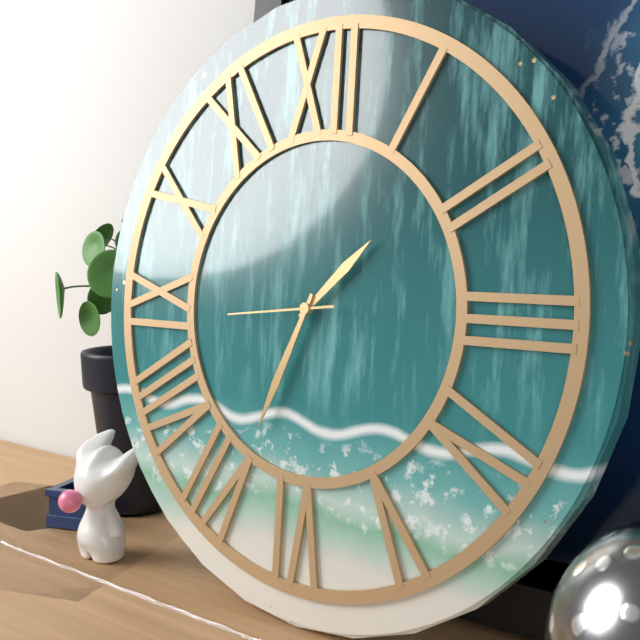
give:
1.34.44
